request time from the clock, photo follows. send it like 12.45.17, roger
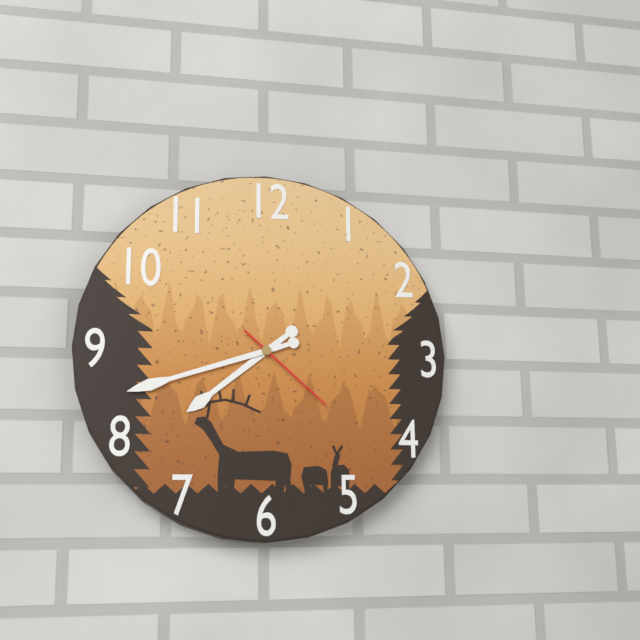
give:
7.42.22
